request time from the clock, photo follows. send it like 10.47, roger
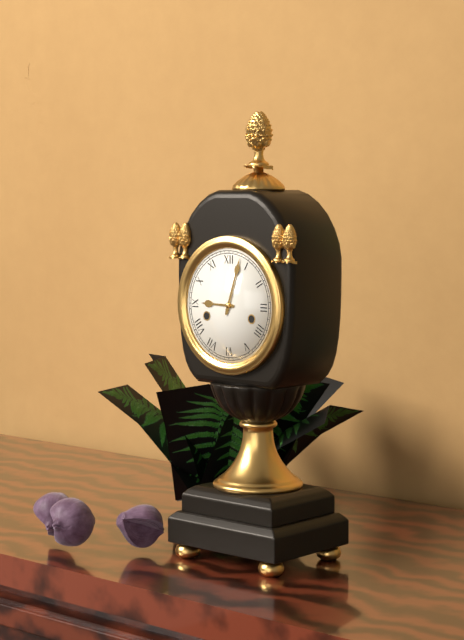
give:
9.03
